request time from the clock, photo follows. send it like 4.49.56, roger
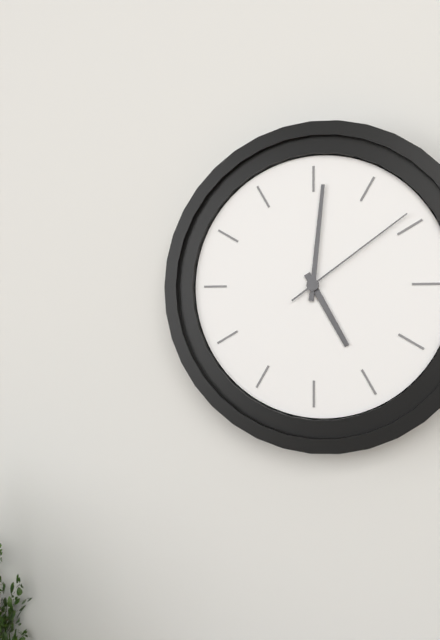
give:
5.01.09
